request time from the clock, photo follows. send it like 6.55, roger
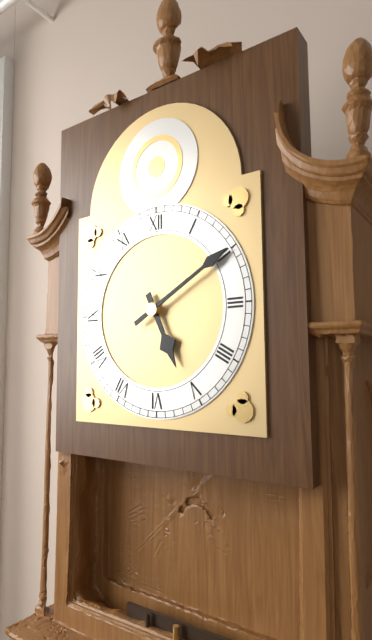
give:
5.10
